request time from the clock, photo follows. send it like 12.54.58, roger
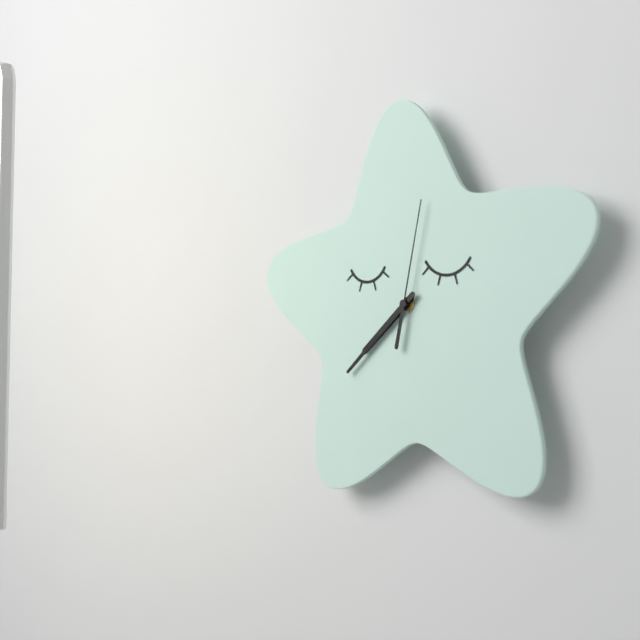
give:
7.38.02
